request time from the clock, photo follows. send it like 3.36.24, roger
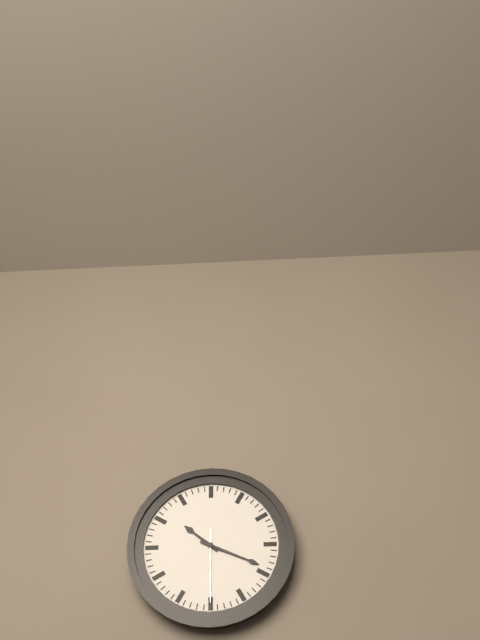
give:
10.19.30
